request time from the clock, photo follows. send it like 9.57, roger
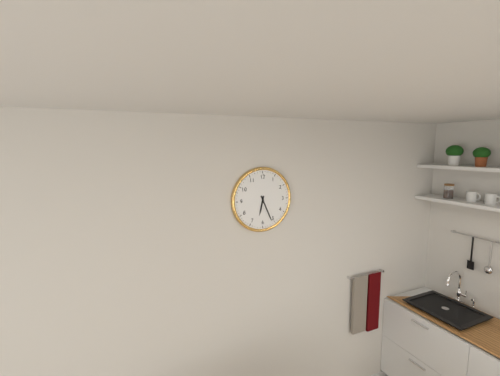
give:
6.26
